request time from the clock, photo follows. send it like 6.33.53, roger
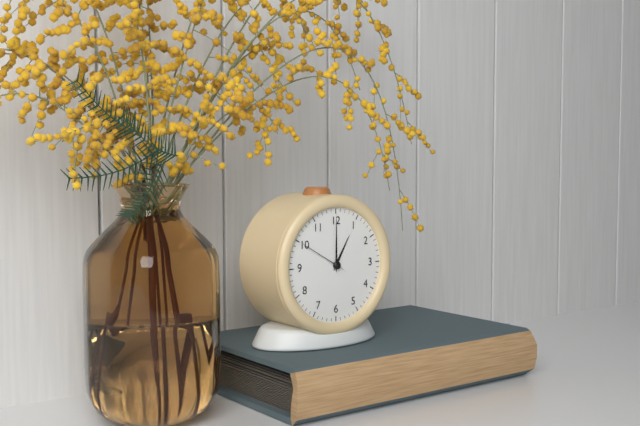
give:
1.00.50
